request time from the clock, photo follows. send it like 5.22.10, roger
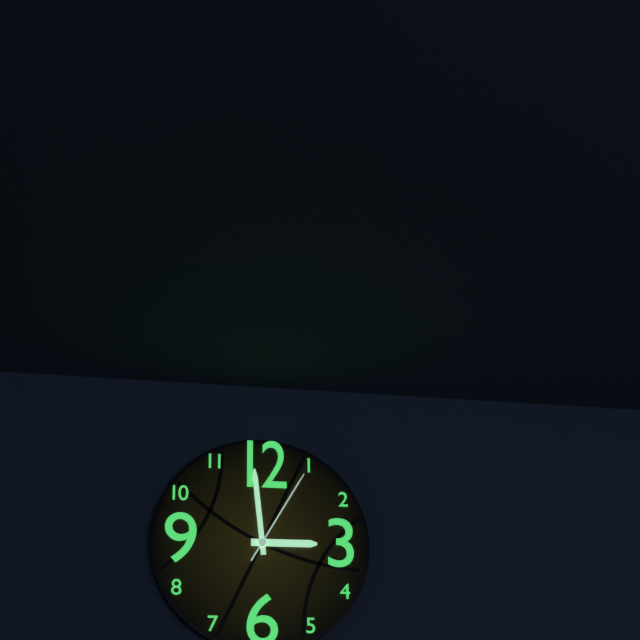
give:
2.59.05
